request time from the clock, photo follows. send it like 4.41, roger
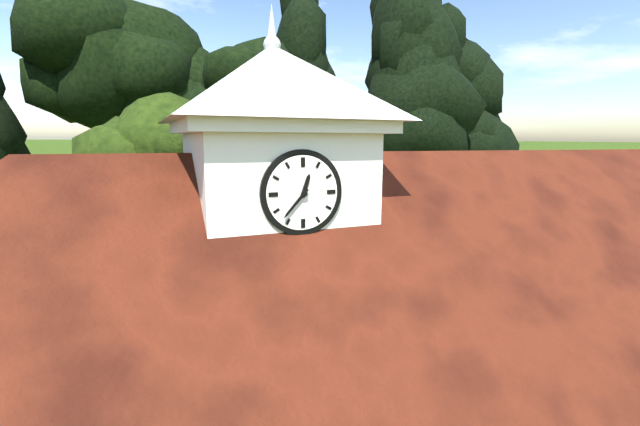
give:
12.37
